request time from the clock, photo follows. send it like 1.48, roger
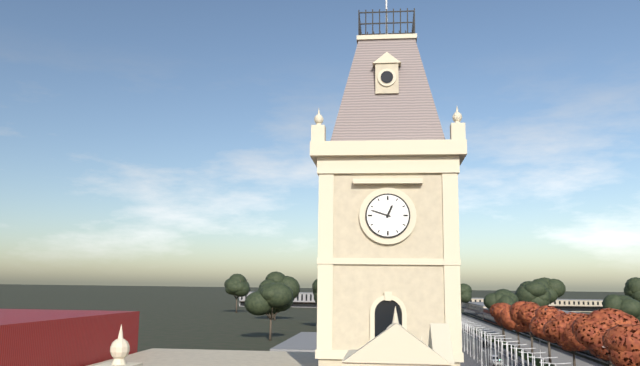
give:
12.48
